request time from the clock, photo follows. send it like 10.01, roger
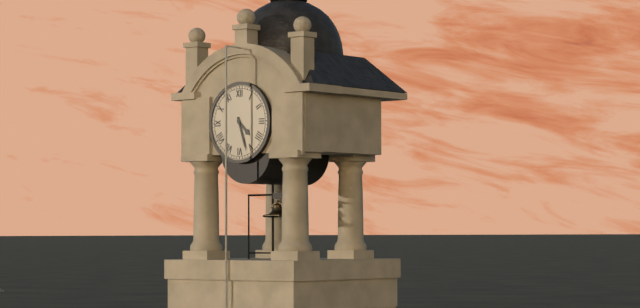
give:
4.27
